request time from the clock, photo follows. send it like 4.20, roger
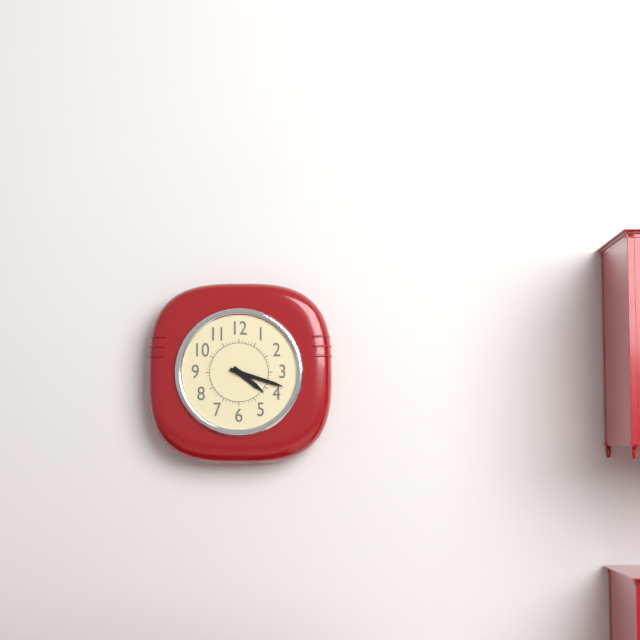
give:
4.18
